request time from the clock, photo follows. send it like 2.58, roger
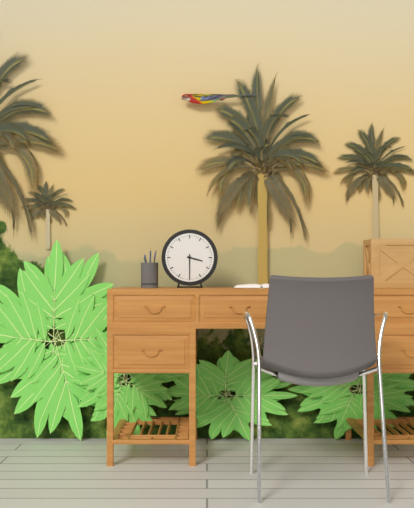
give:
3.30
